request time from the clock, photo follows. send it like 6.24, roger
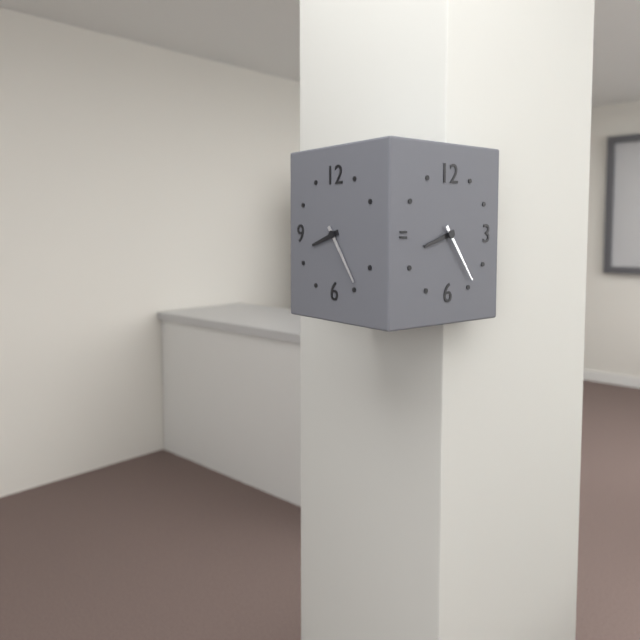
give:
8.24
